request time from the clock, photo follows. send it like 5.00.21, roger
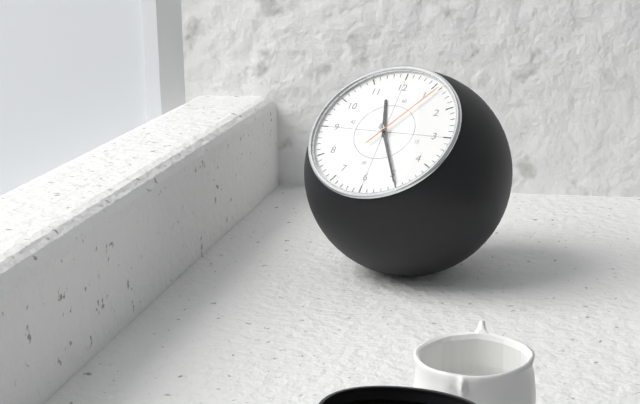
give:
11.25.06
